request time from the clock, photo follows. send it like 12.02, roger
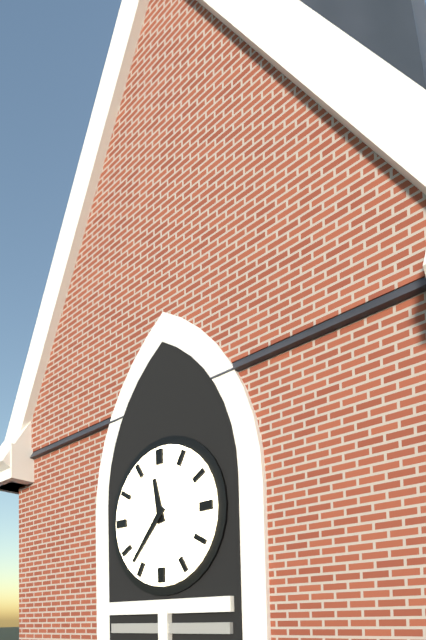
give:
11.37
